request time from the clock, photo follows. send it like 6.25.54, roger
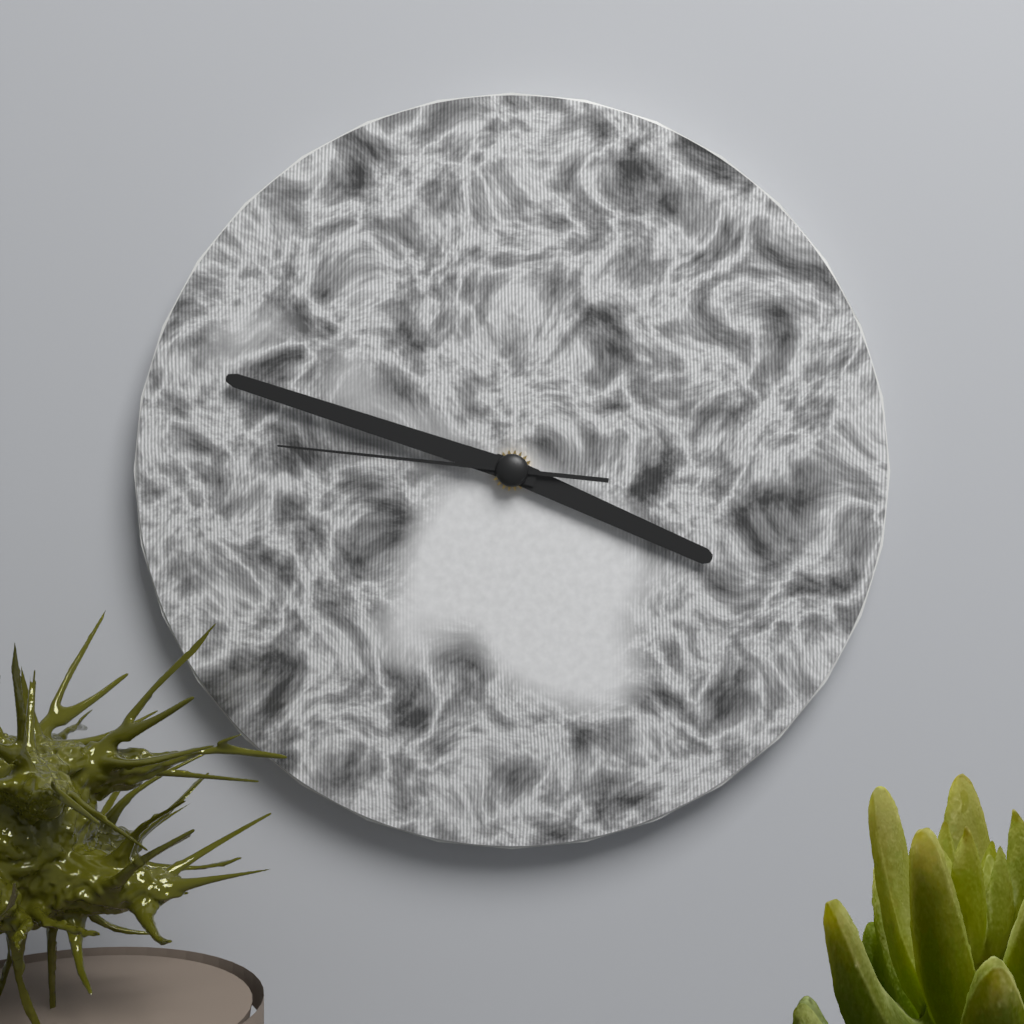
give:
3.48.46
